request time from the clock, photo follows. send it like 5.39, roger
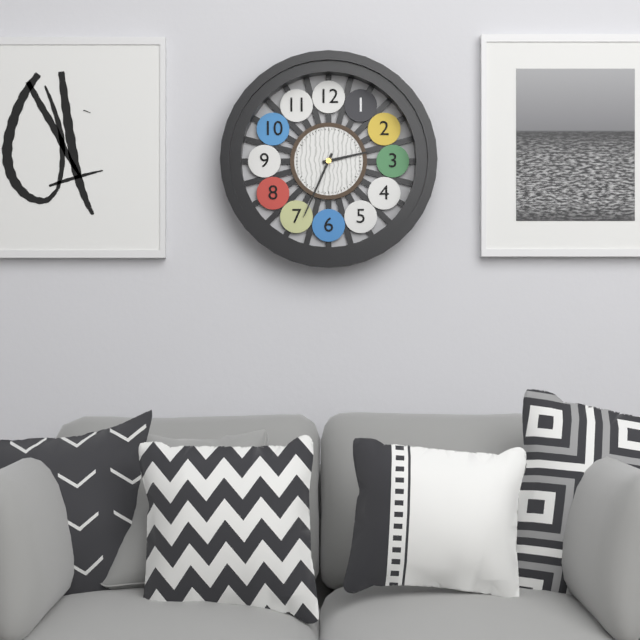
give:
2.34
